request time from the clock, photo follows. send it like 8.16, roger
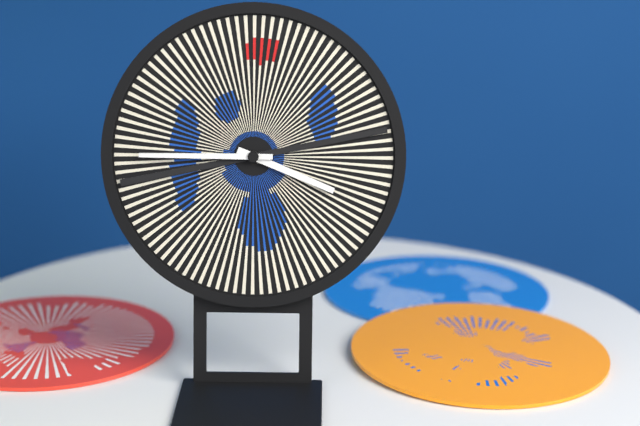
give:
3.45
